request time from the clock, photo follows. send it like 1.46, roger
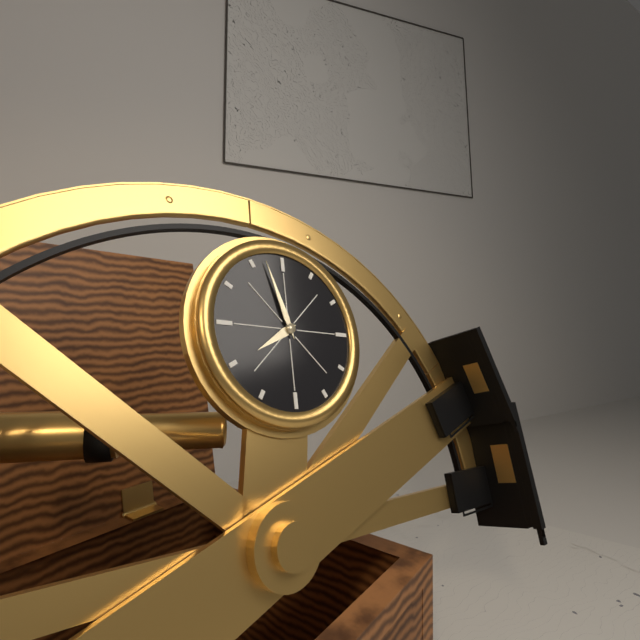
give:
7.57
